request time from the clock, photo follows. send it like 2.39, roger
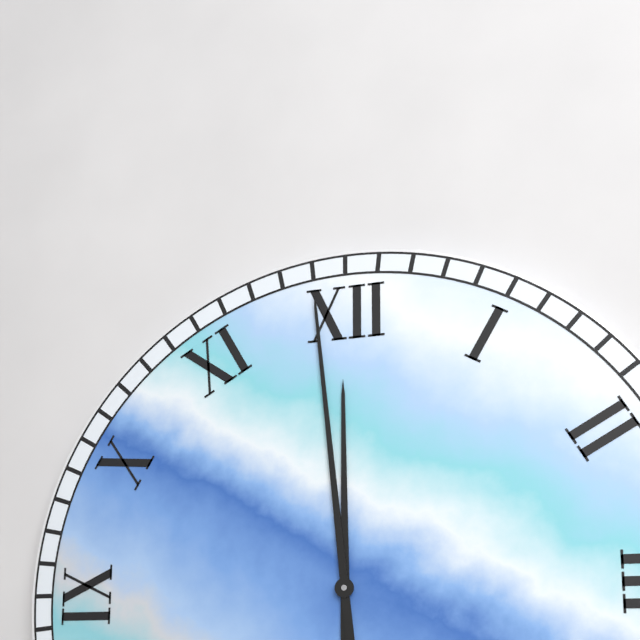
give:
11.59
